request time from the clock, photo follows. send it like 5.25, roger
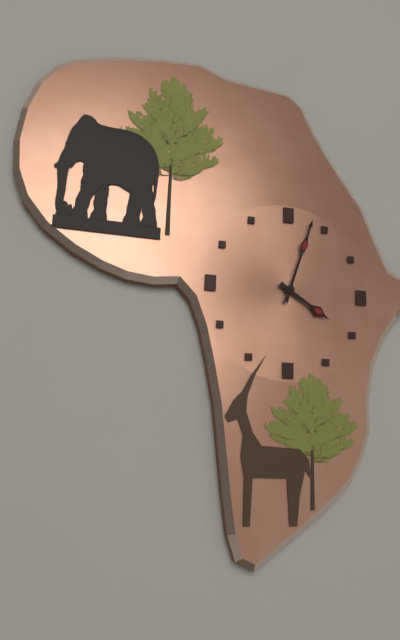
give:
4.03
